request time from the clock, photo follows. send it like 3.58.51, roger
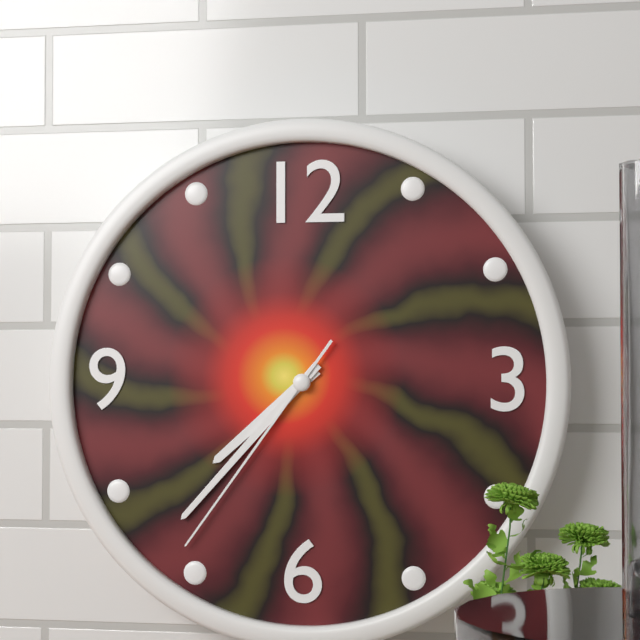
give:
7.37.36
